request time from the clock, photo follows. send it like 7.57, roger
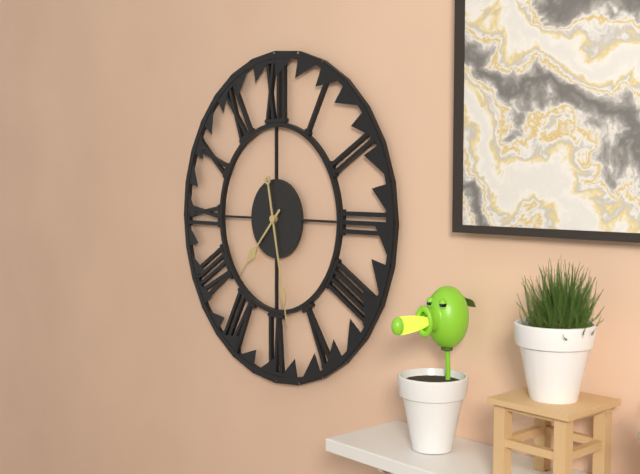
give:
7.28
